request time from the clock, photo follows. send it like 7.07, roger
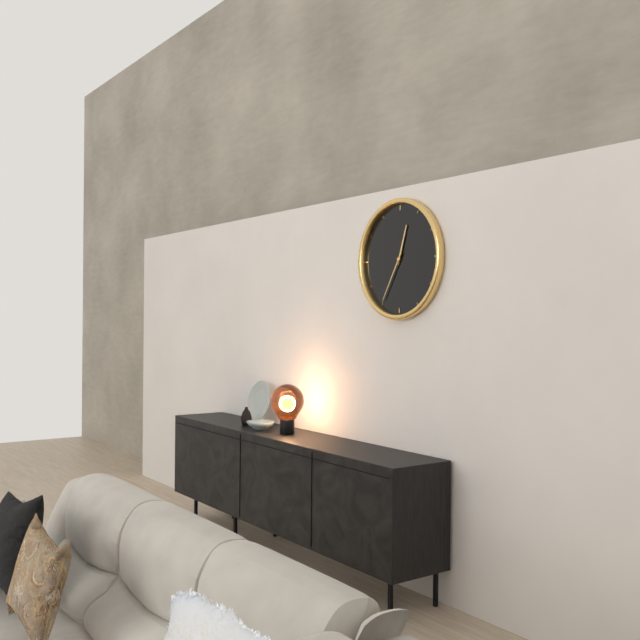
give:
12.35
